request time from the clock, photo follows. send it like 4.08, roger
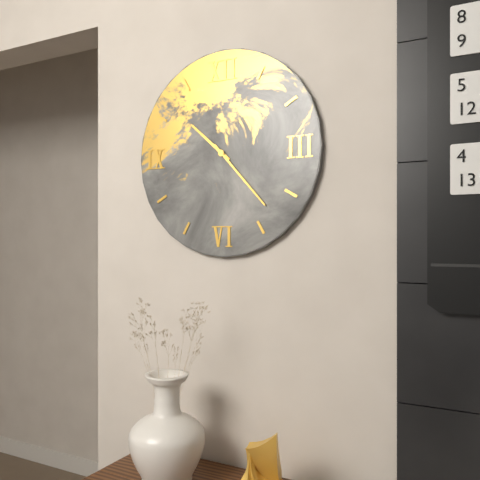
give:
10.23
